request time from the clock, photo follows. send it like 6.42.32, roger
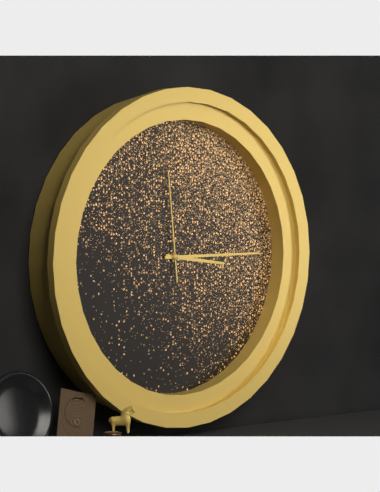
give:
3.15.59
